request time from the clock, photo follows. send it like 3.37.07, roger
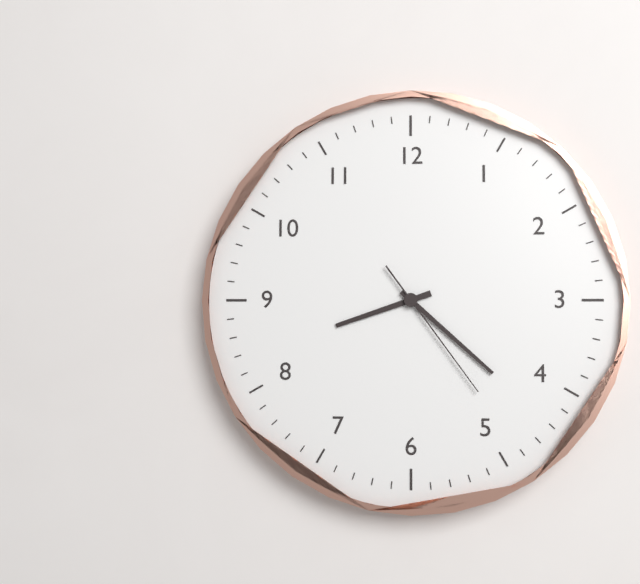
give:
8.22.24
